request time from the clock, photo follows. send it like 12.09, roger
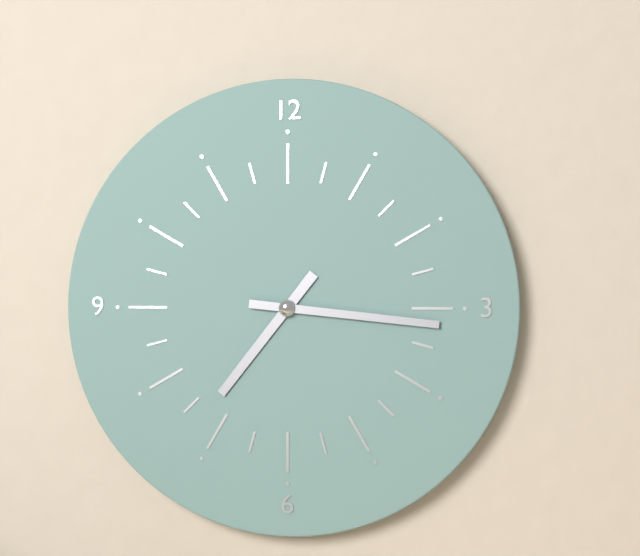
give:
7.16
